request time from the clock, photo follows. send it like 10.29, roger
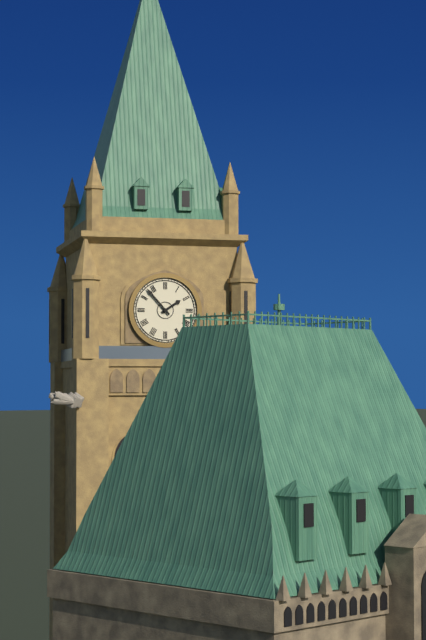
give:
1.53
